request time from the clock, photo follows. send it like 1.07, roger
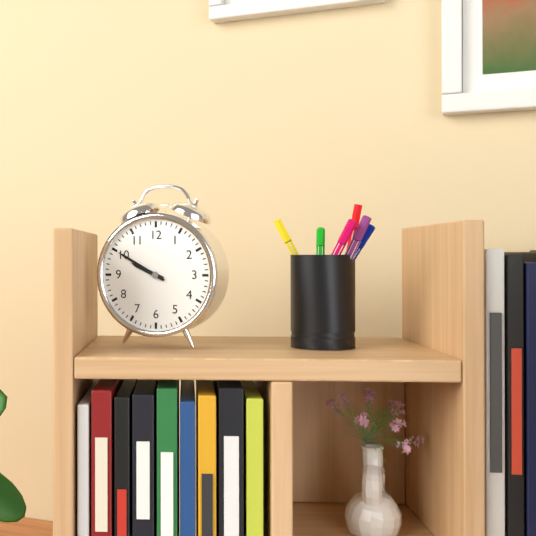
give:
9.50
